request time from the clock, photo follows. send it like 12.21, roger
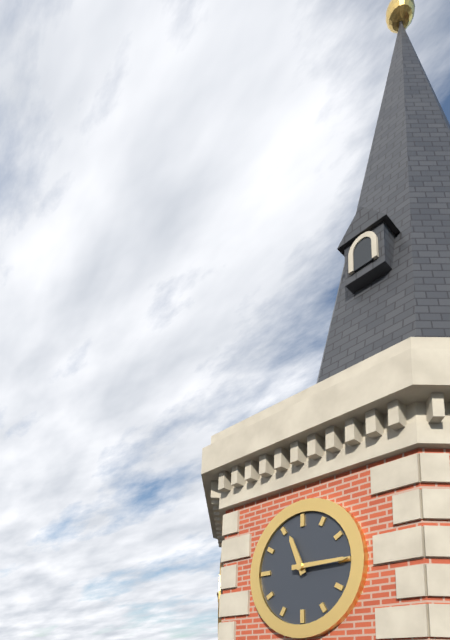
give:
11.15
